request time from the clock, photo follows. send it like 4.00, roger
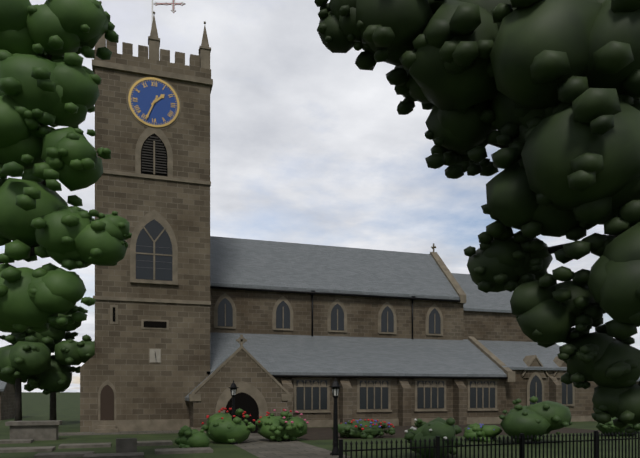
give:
1.34
